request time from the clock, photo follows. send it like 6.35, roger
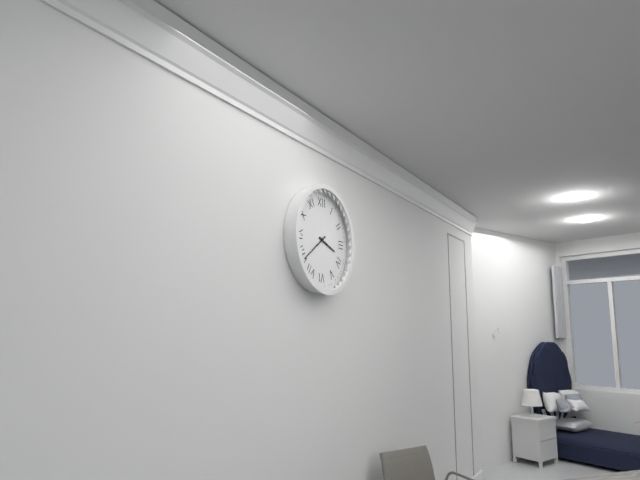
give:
3.39
